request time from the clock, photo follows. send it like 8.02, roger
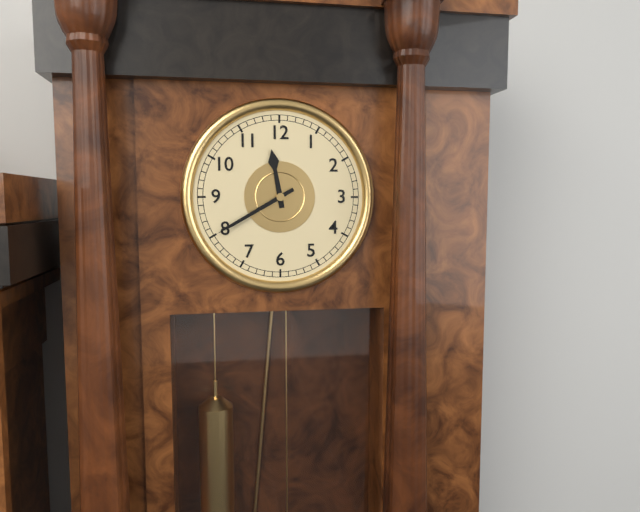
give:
11.40
